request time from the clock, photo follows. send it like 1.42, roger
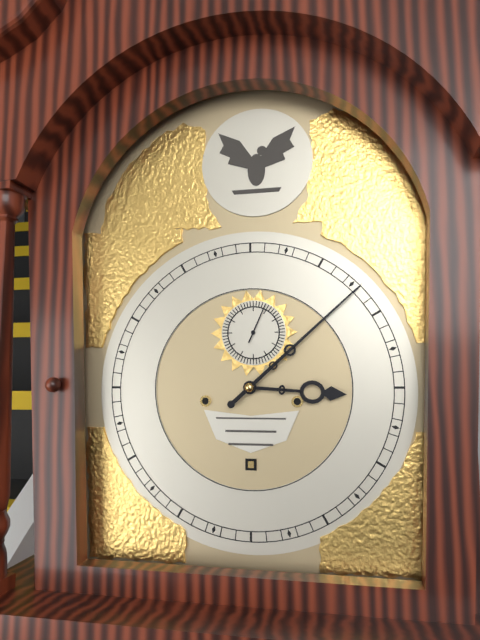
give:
3.08
